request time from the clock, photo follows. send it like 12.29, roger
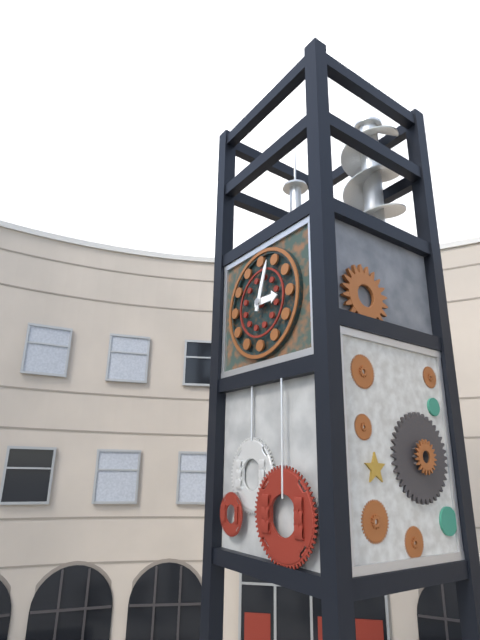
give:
3.03
